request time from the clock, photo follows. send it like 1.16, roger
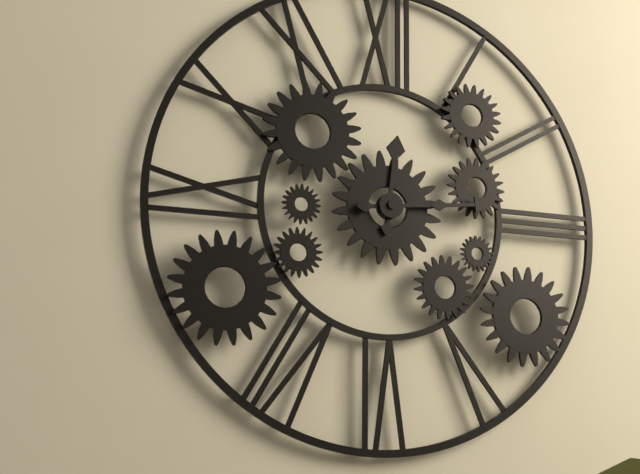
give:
12.14
